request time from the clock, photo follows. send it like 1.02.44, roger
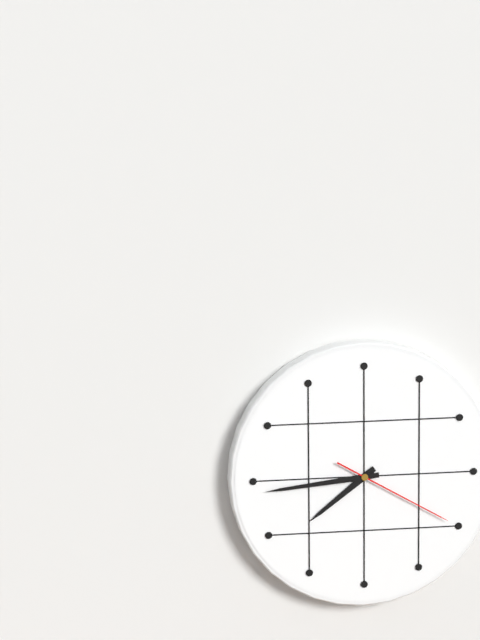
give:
7.44.20
